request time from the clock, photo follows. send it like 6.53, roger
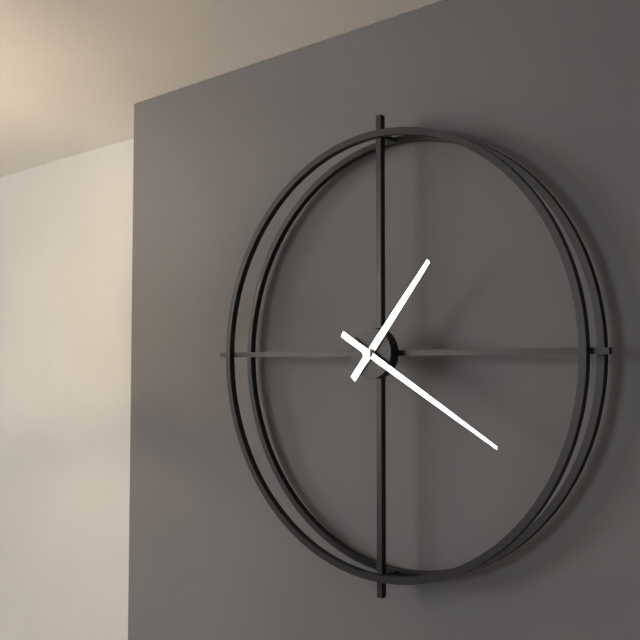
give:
1.20
